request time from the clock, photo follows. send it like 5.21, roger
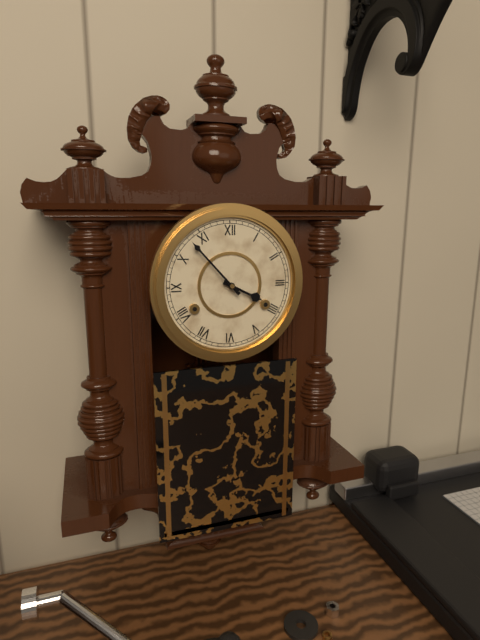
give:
3.53
